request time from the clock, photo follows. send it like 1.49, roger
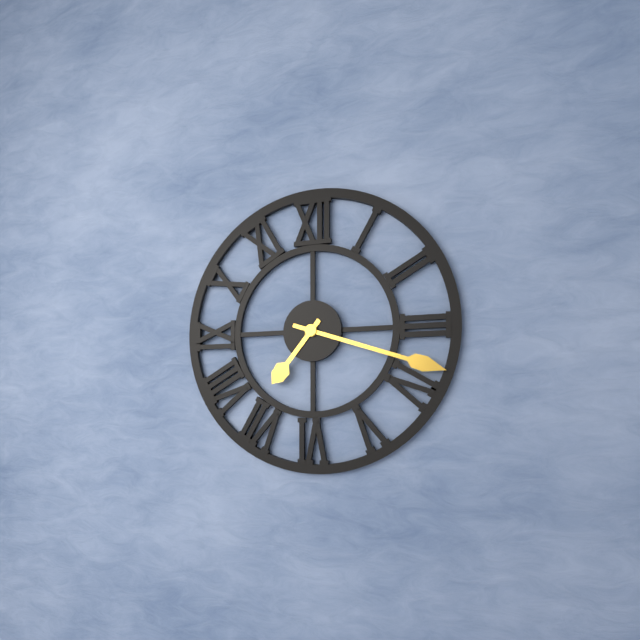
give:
7.18
